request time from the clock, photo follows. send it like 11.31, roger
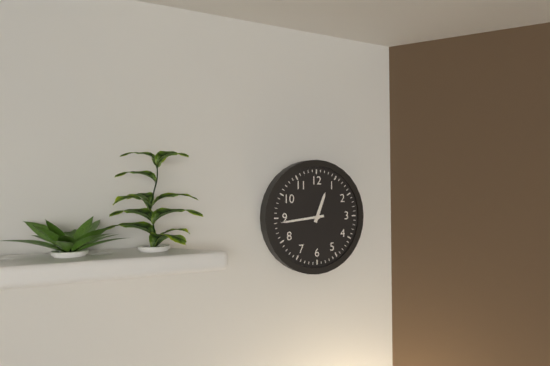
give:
12.44
